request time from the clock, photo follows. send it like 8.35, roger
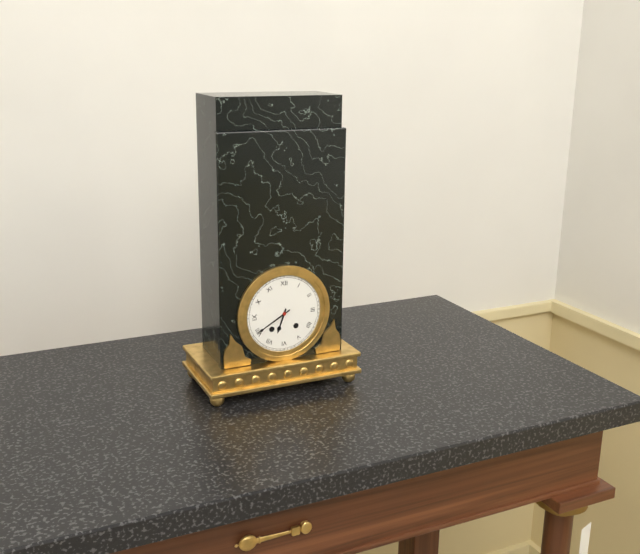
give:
6.40
